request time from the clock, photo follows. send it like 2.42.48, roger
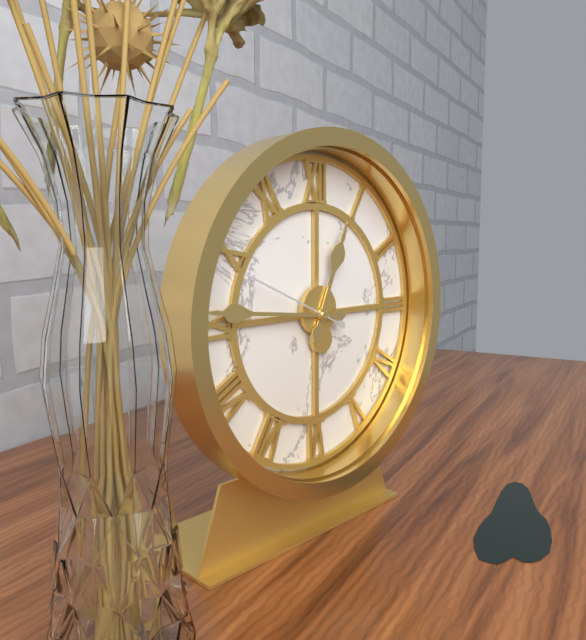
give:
12.46.49
